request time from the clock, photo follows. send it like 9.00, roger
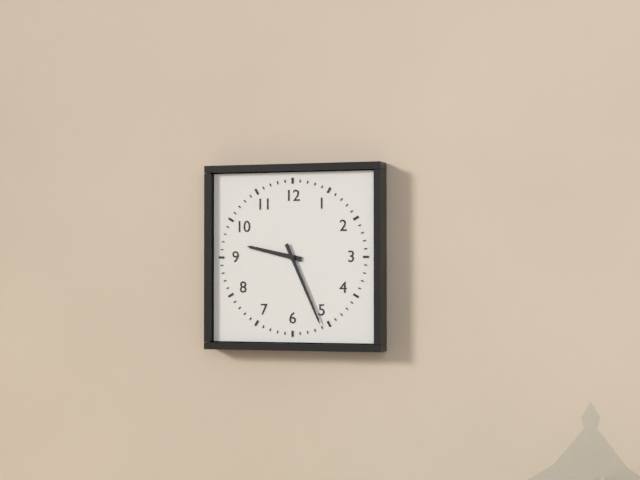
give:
9.26
